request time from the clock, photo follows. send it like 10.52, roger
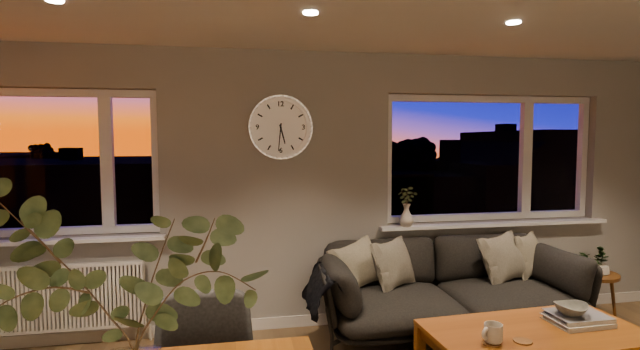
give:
5.31
